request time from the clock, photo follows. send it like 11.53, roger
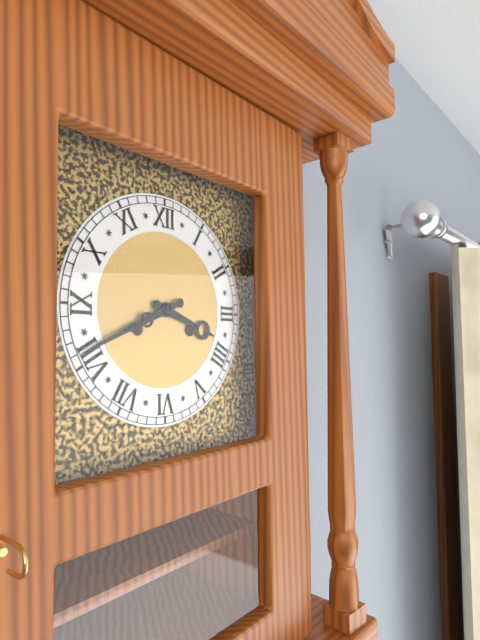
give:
3.41
